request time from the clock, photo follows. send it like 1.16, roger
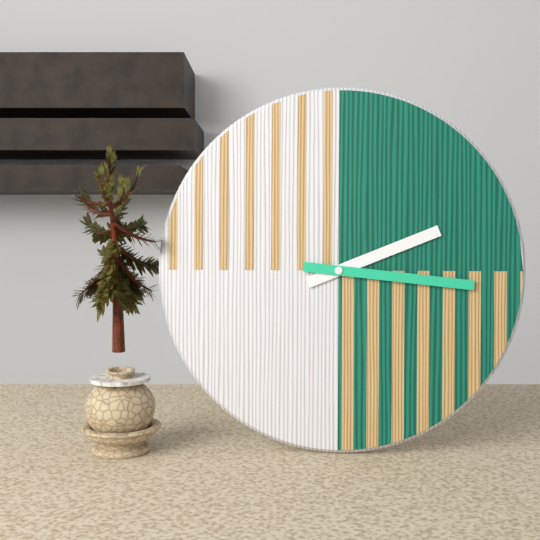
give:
2.16
